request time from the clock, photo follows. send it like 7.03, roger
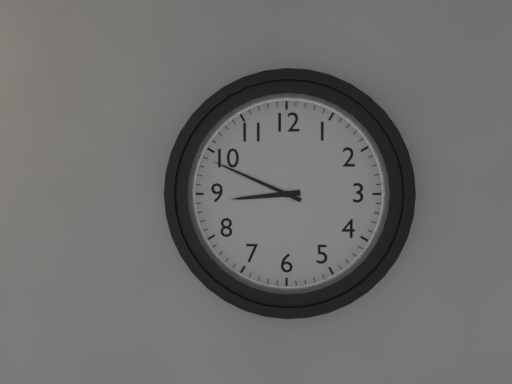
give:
8.49
